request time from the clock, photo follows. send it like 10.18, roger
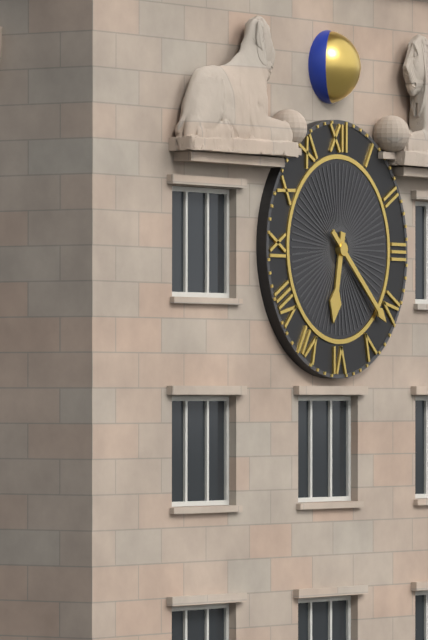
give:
6.22
